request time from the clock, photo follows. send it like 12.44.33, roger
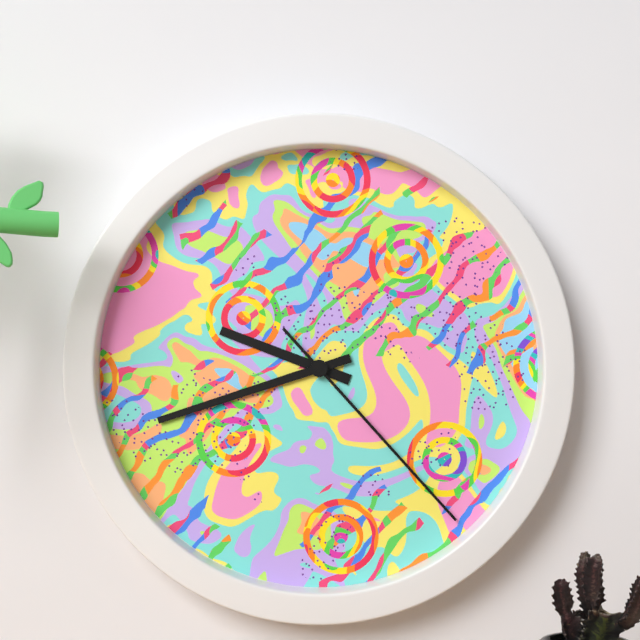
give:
9.42.23
